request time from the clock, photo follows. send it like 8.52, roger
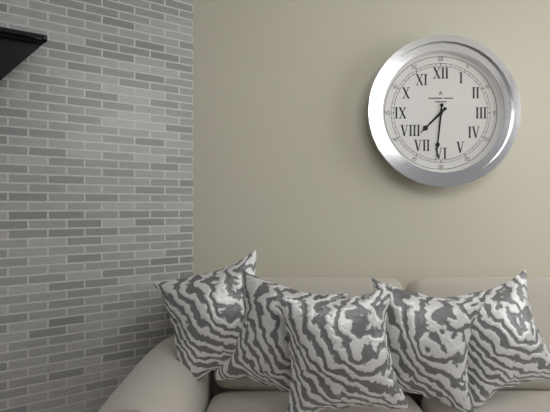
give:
7.31
